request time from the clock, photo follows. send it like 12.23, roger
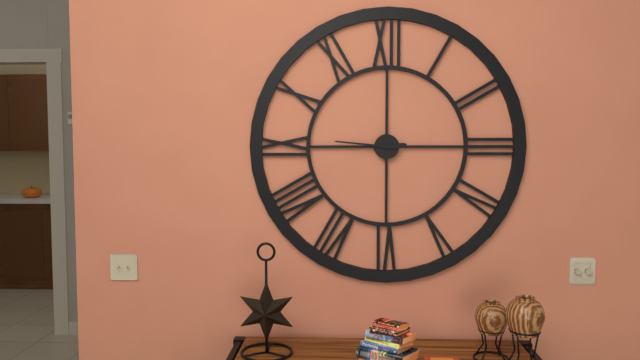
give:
2.46
